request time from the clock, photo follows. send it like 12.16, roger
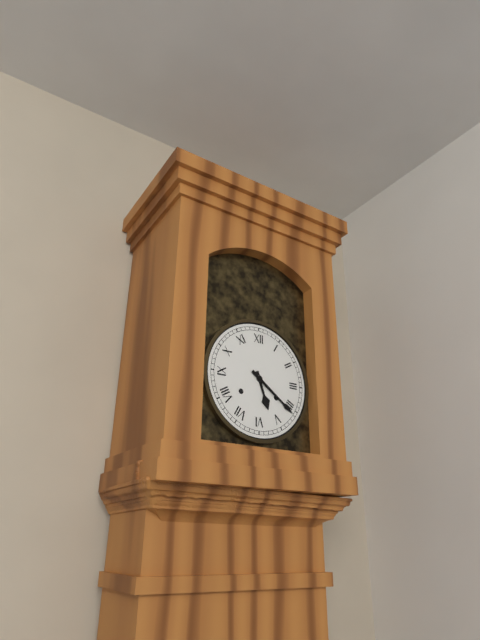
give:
5.21
